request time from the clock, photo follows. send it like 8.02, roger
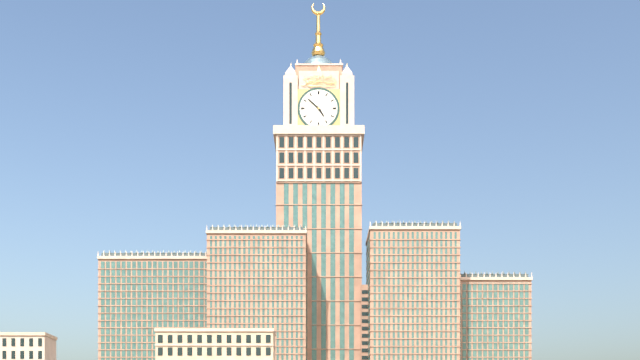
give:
4.52
